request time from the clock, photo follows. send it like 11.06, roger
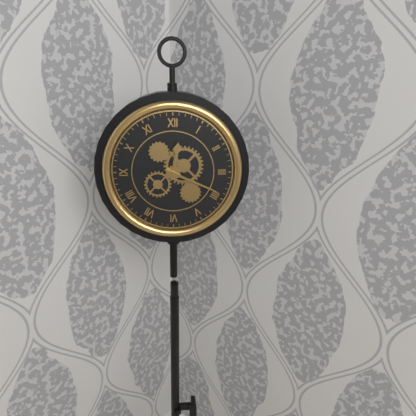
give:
12.19
